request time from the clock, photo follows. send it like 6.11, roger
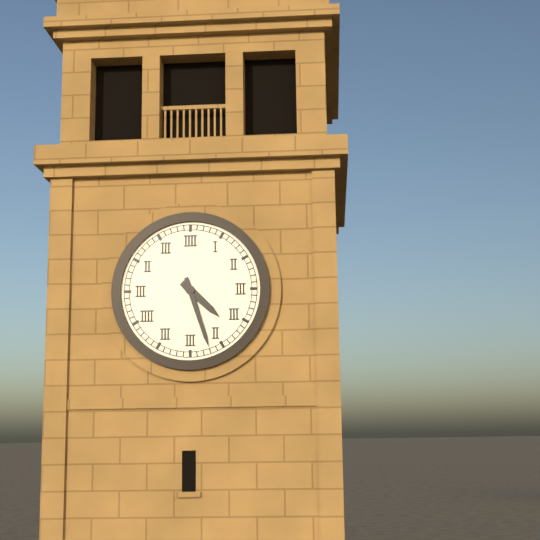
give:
4.27
